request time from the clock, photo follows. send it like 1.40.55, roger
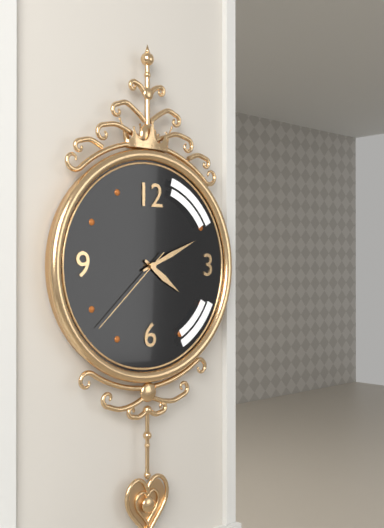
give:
4.11.38
